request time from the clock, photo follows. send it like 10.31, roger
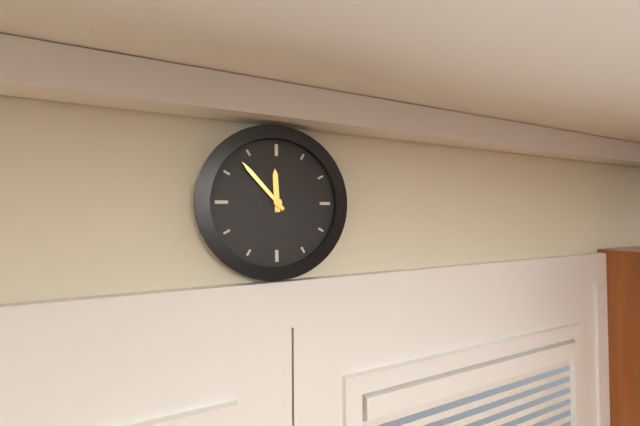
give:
11.53
